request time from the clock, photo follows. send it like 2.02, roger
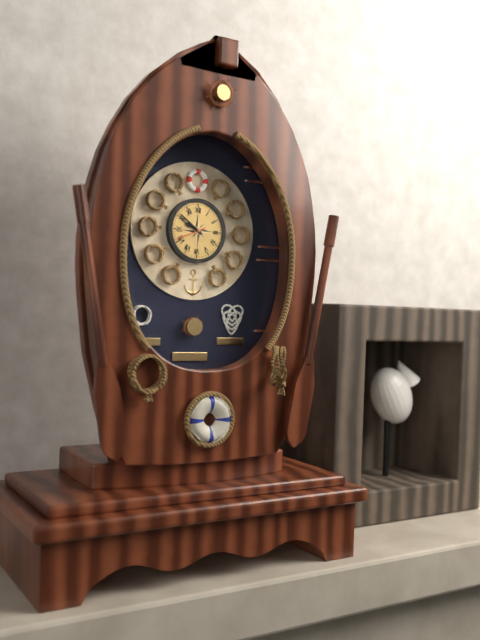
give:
9.51
